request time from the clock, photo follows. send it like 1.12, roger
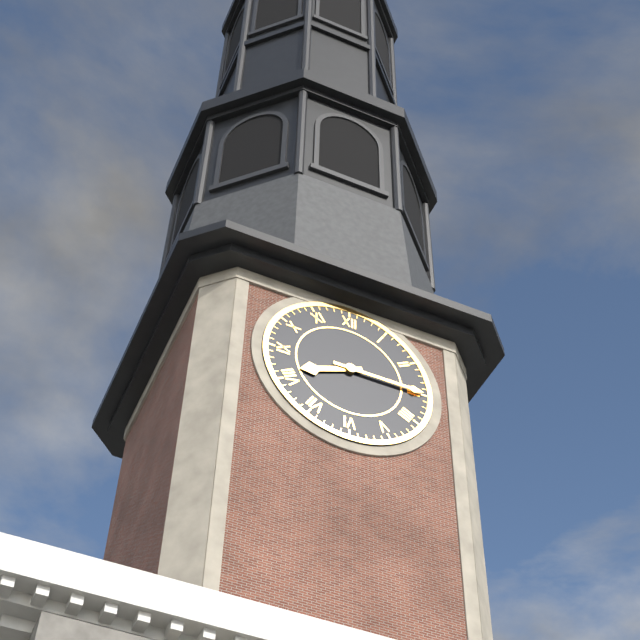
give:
8.15
